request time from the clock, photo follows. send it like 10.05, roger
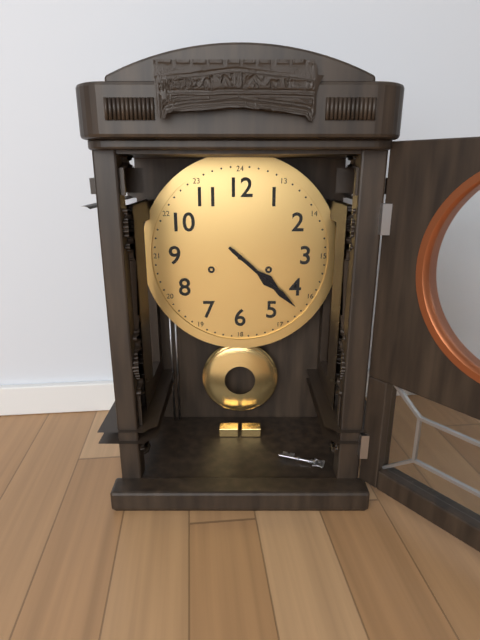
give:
4.22
